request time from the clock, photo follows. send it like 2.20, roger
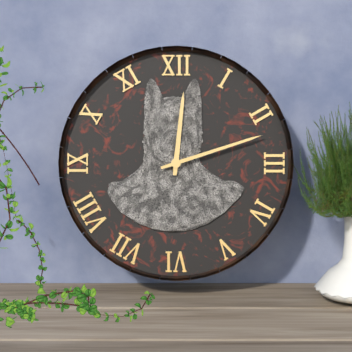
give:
12.12
